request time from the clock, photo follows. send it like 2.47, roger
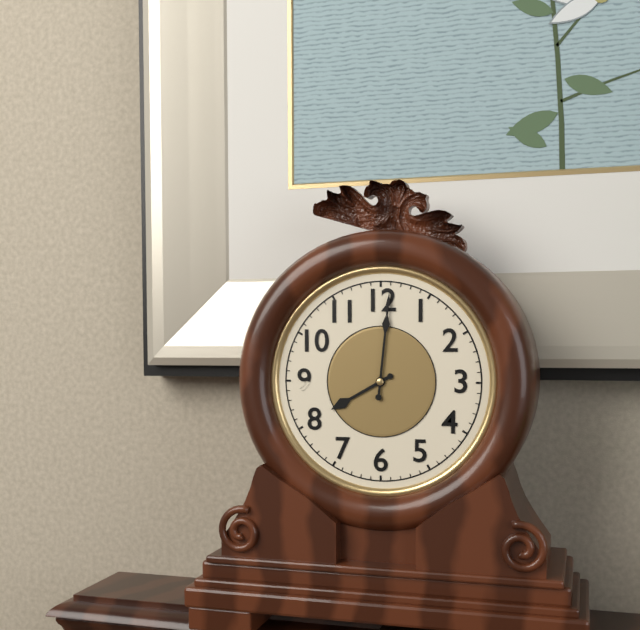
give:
8.01
